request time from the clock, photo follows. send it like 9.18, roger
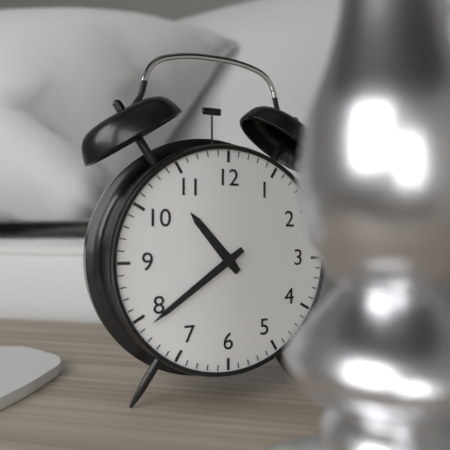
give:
10.39
